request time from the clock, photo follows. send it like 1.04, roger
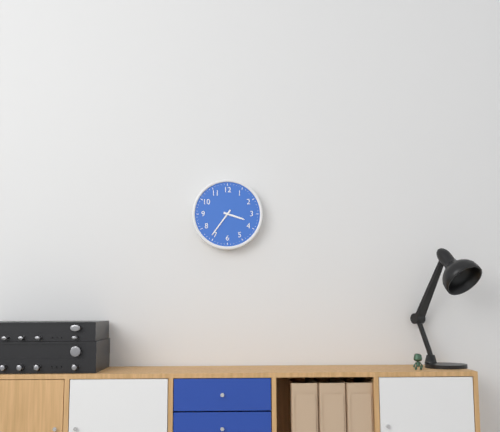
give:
3.36
